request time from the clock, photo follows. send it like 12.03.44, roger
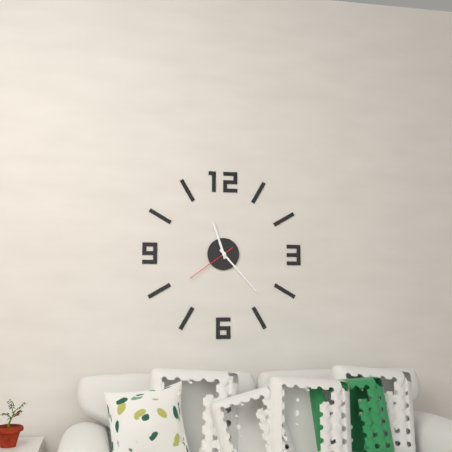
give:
11.23.39
